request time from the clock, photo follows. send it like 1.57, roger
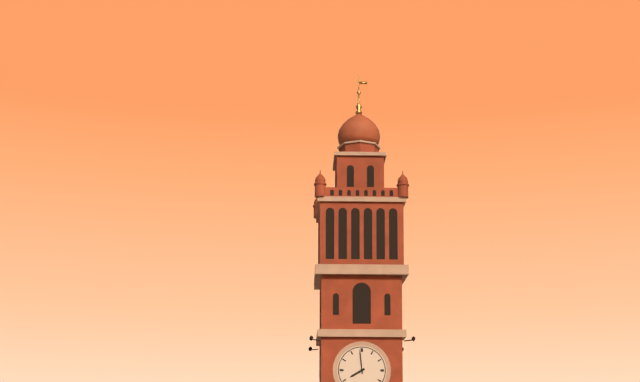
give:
7.59
